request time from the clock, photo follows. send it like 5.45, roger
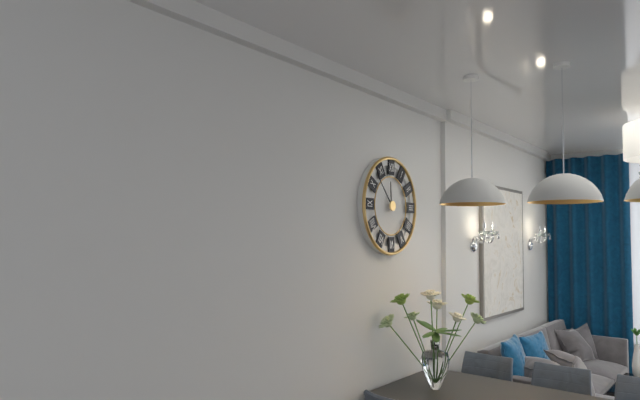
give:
11.53
